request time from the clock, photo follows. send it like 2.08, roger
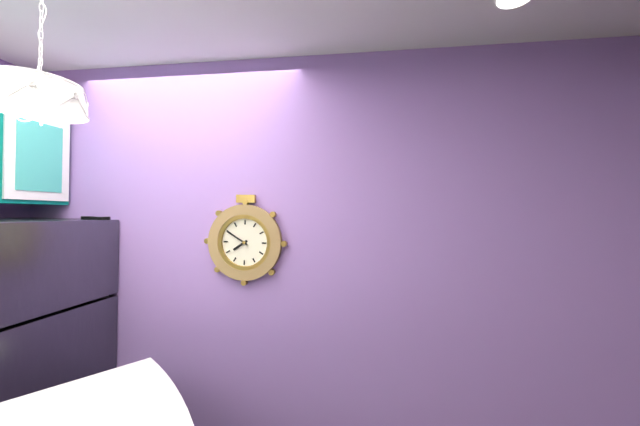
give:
7.50
